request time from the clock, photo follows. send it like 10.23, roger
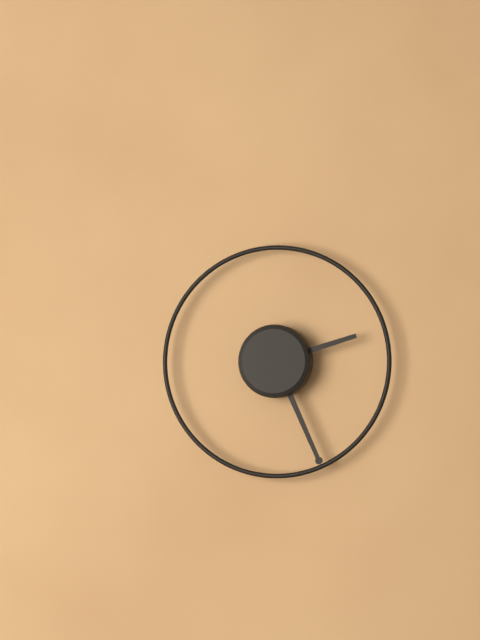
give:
2.26
